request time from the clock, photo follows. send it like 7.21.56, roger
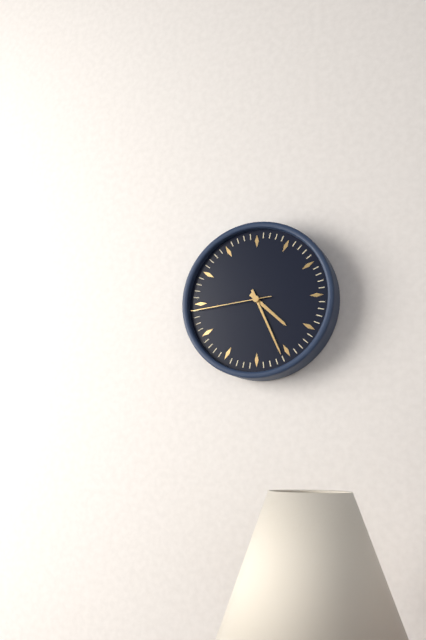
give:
4.26.44
